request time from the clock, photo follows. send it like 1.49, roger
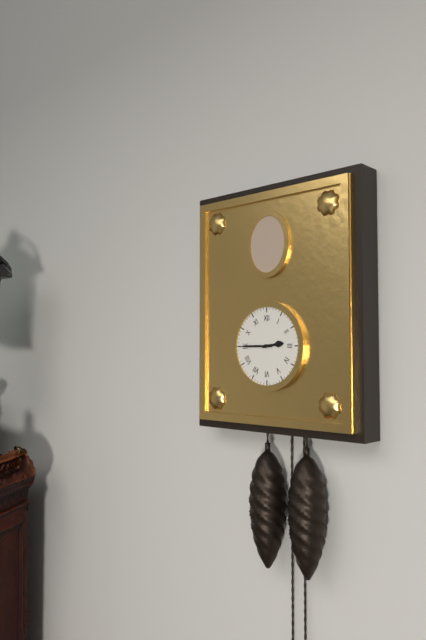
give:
2.45
